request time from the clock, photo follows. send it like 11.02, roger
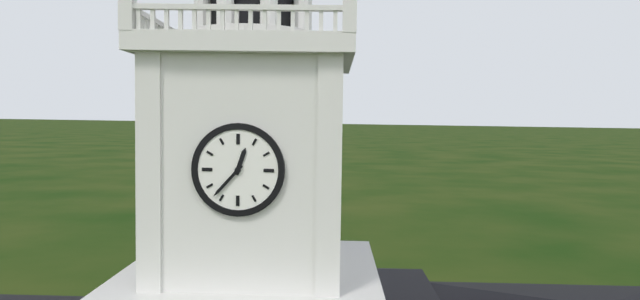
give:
12.37
